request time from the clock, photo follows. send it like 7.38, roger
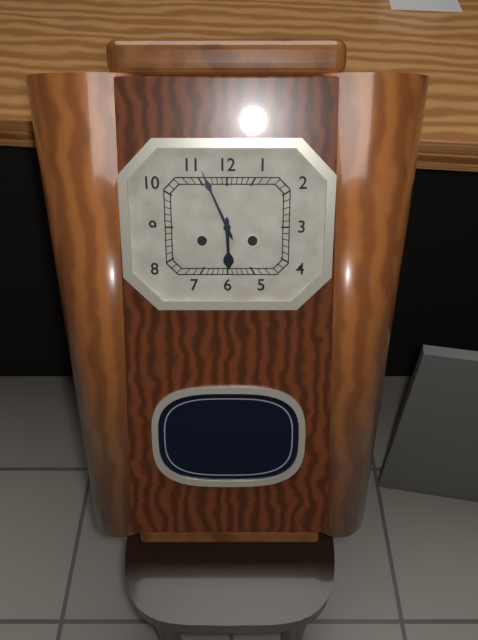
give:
5.56
